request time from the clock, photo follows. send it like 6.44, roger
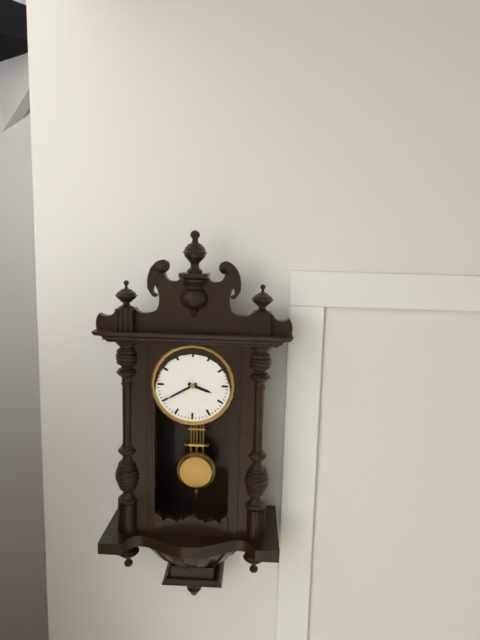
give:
3.40
